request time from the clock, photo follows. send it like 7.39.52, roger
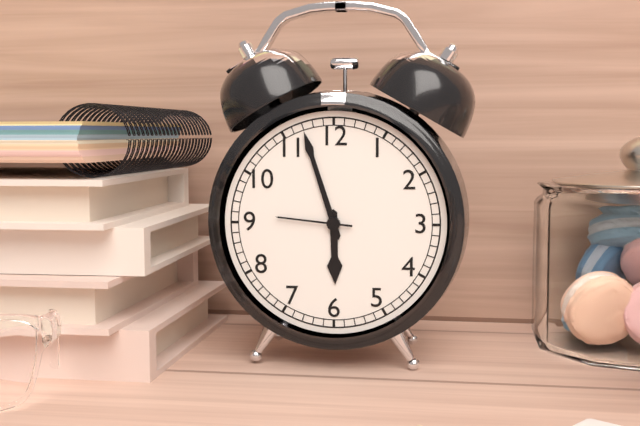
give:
5.57.46
